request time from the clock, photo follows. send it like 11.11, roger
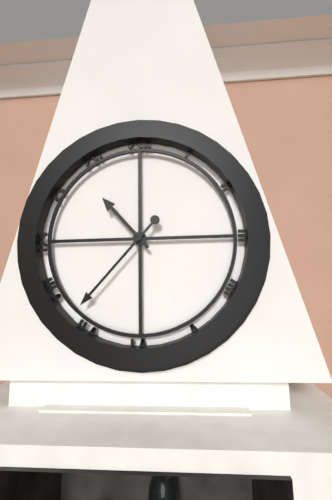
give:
10.37
